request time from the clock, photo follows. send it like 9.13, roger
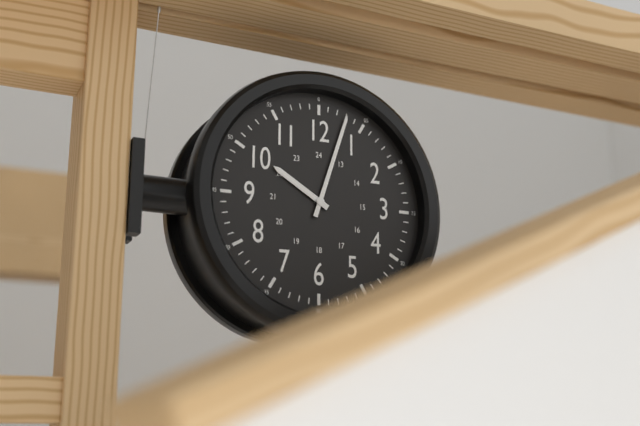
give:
10.03
